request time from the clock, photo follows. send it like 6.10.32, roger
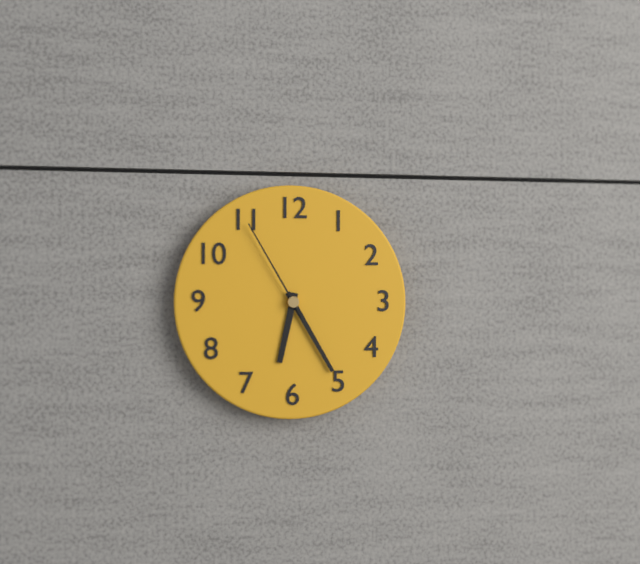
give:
6.25.55
